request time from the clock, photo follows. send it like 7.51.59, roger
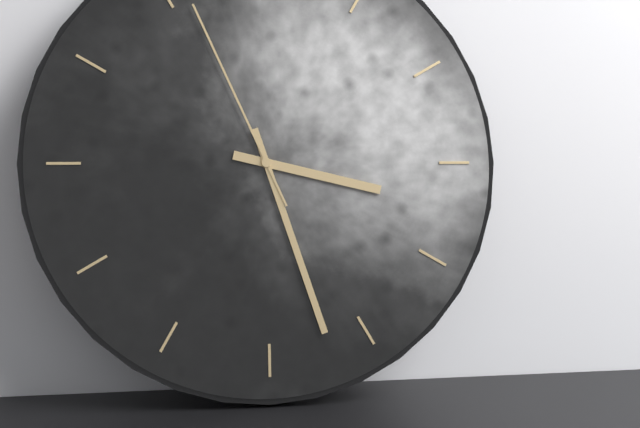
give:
3.27.56
